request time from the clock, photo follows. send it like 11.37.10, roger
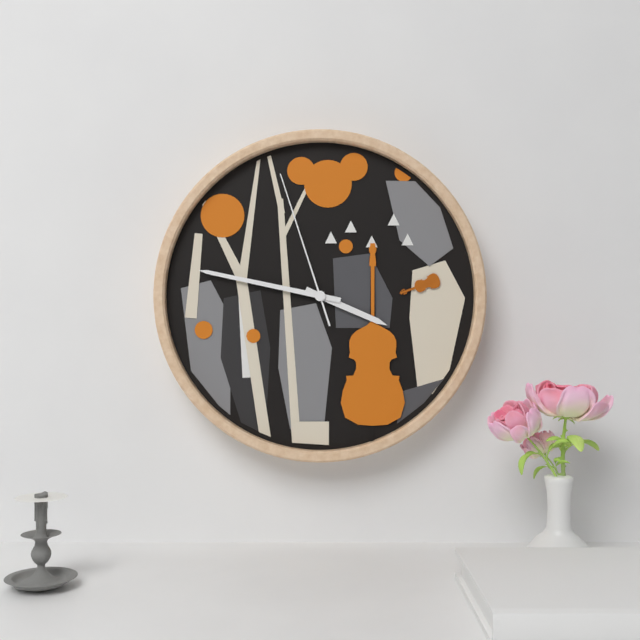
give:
3.47.57
